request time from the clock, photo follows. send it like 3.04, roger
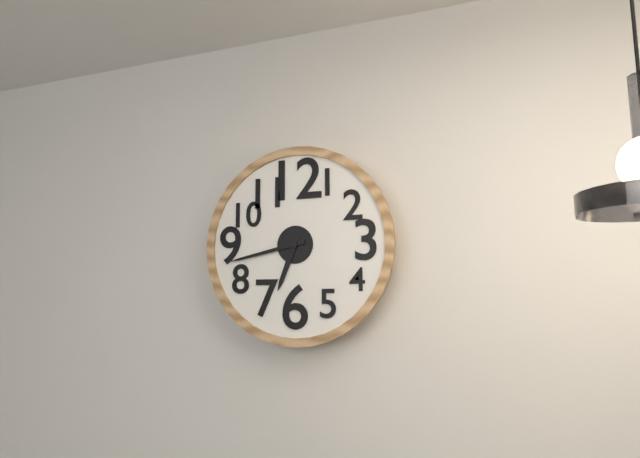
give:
6.43
